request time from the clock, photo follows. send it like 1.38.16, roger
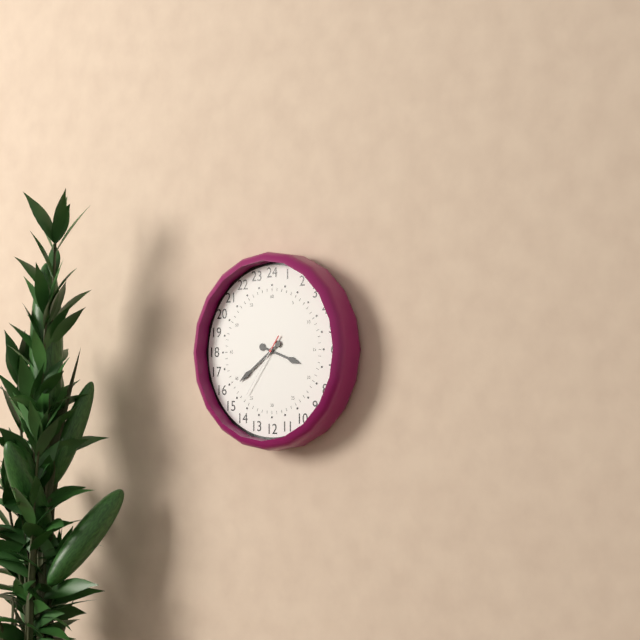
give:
3.39.36
